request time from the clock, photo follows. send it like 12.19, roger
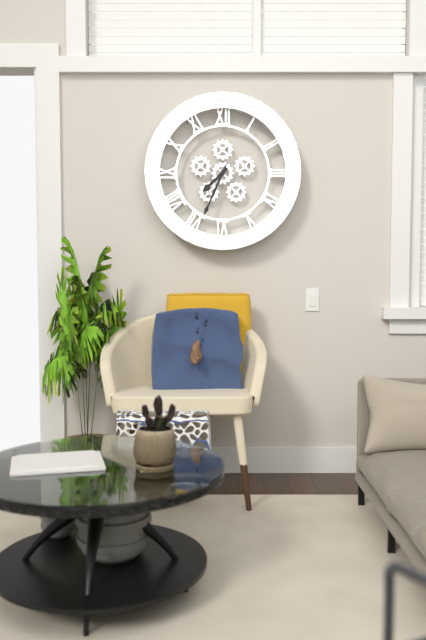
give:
7.34
